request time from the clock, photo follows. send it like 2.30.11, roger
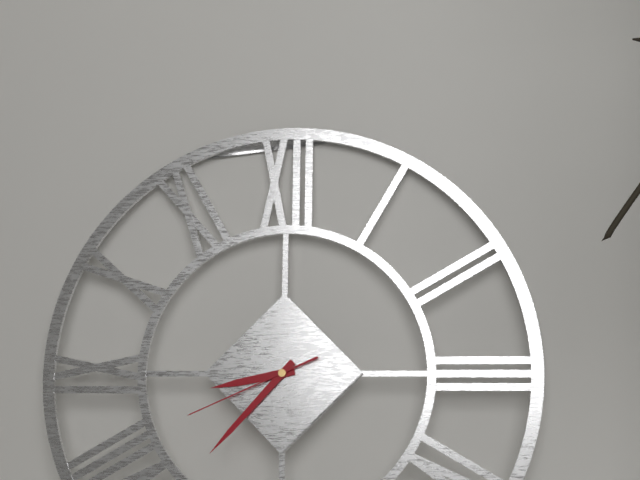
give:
8.37.41
